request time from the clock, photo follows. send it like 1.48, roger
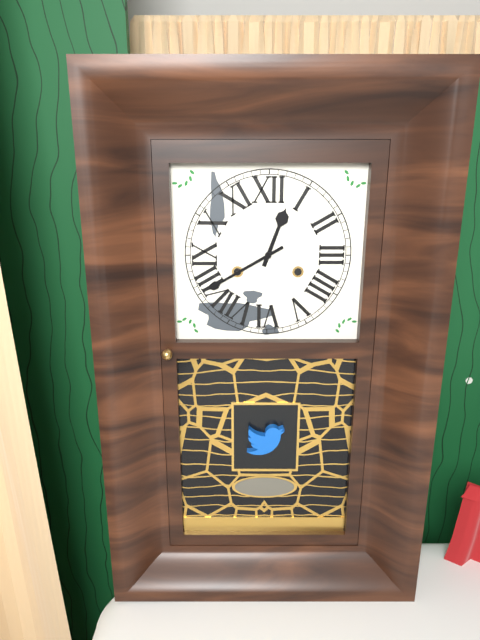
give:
12.40
